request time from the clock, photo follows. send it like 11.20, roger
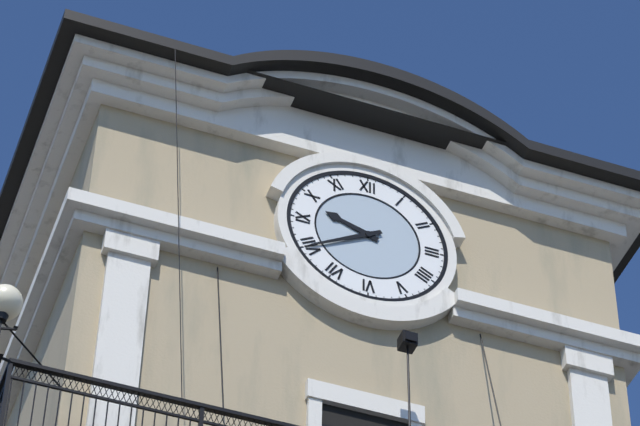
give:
9.40
